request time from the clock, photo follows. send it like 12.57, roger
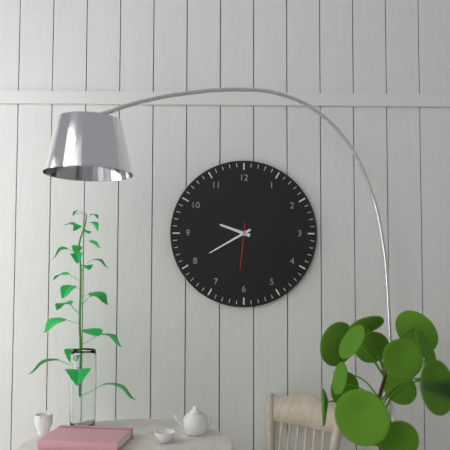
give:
9.40
